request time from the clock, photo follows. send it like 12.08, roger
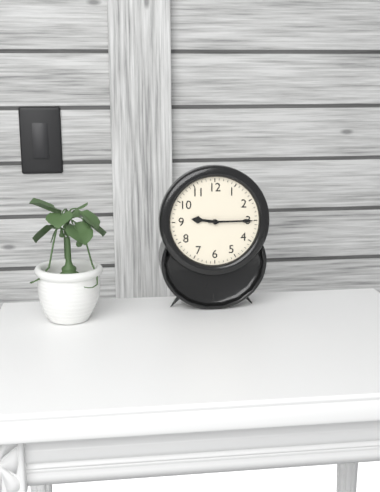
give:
9.15
